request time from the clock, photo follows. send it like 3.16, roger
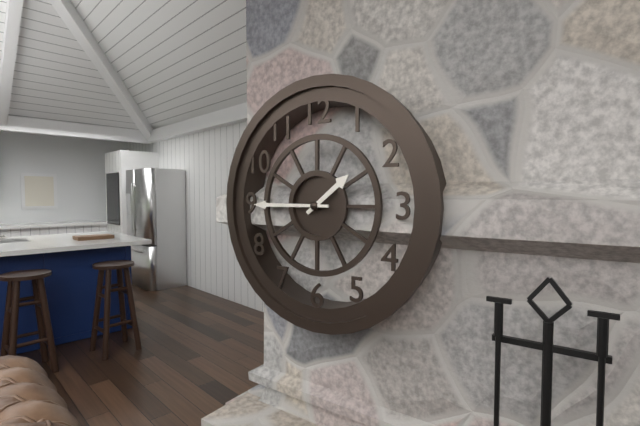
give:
1.45
